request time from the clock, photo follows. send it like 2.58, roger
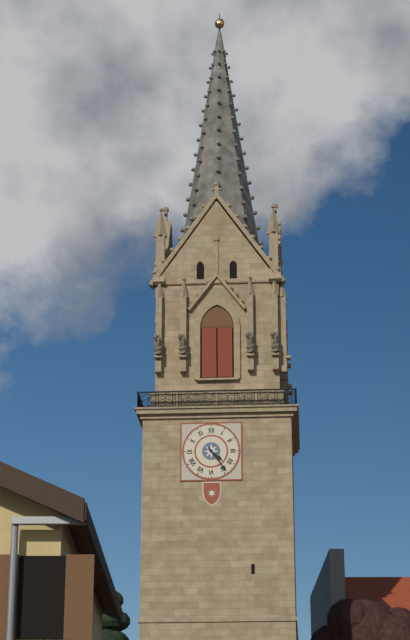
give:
4.24
